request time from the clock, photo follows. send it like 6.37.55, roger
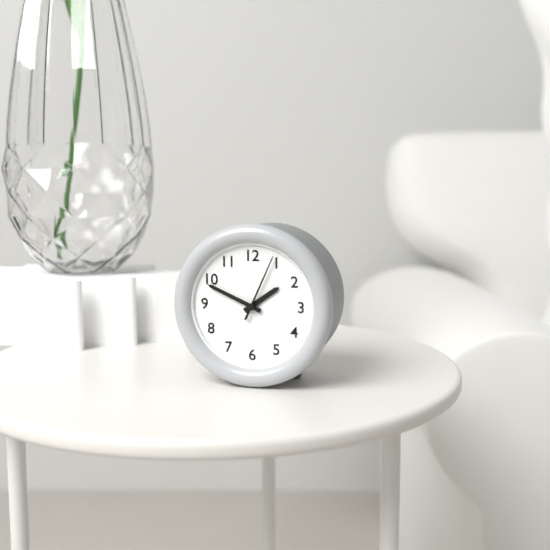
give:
1.49.04
